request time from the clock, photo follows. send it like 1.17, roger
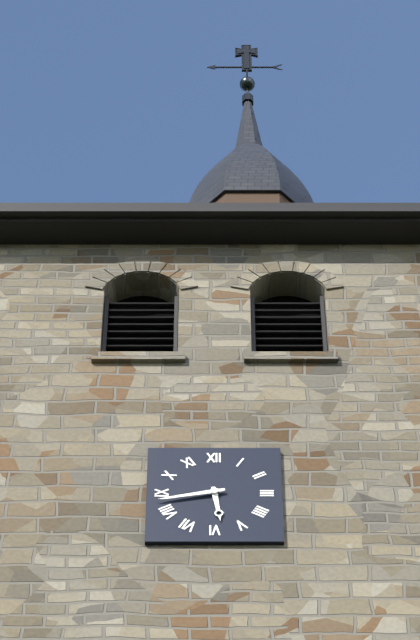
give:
5.43
